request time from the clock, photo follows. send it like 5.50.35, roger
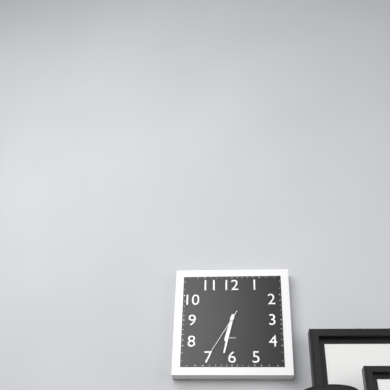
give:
6.32.35
